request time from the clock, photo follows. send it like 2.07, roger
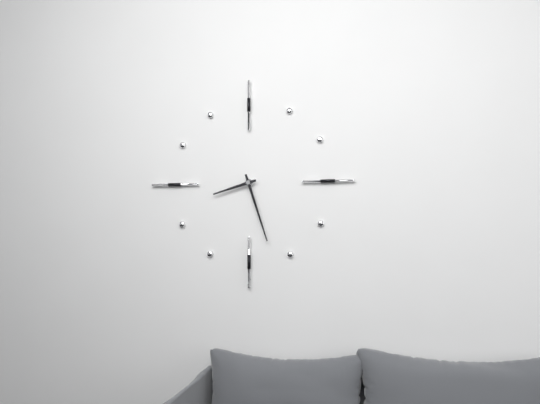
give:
8.27
